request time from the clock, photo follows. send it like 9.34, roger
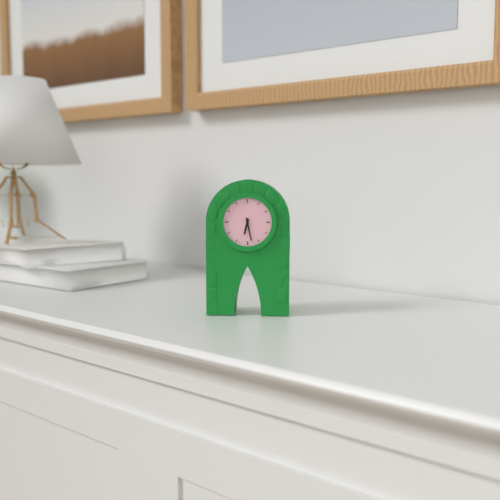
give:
6.28
